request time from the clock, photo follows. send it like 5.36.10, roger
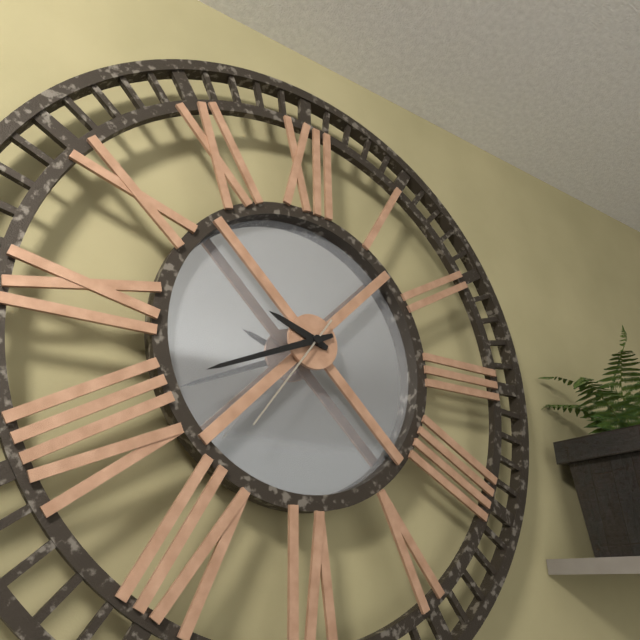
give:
9.41.36
